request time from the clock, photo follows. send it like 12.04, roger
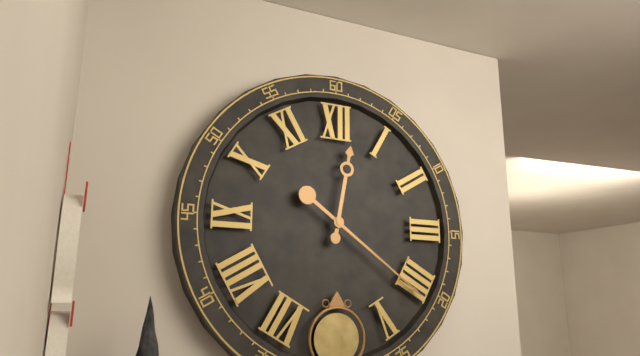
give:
12.21
